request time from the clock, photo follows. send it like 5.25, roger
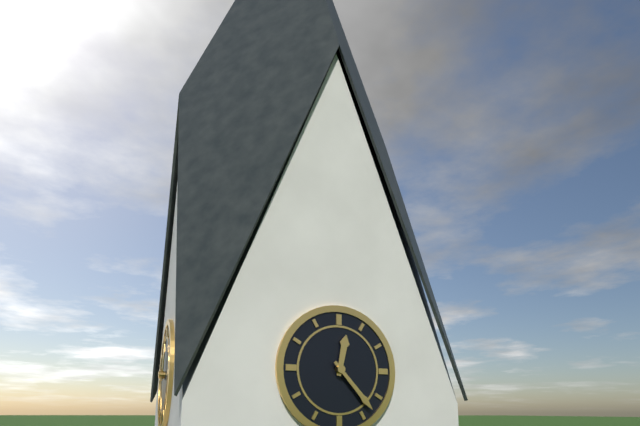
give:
12.23
